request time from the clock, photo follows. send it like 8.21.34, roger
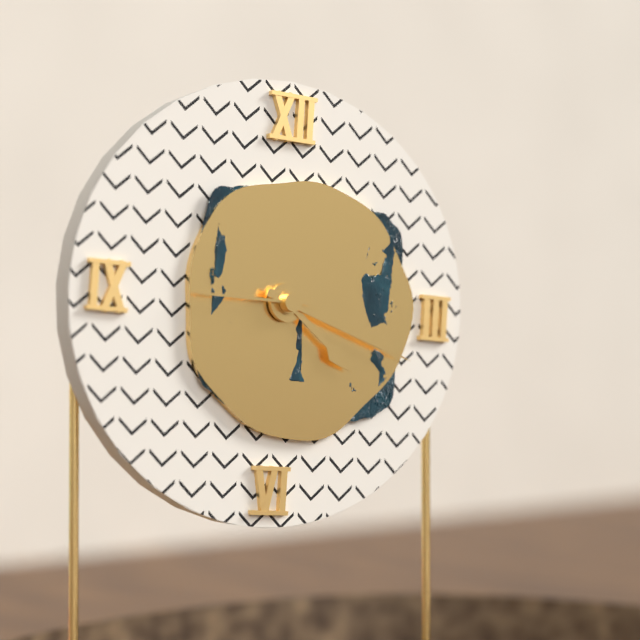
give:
4.18.45
